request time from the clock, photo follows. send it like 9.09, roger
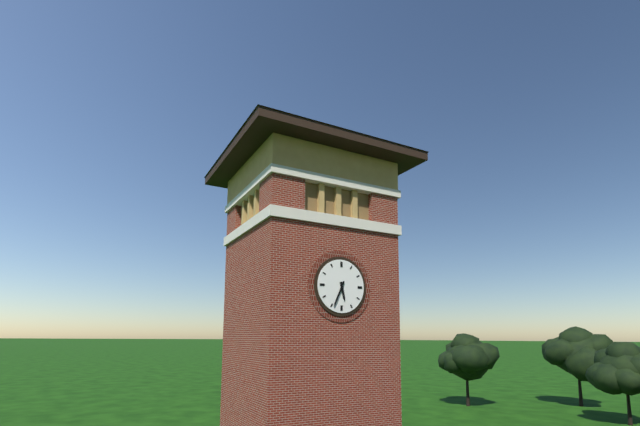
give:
5.34
